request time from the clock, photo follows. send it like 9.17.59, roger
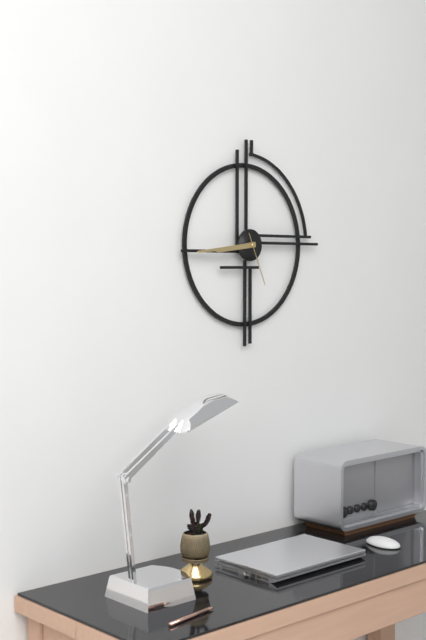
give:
8.44.26
